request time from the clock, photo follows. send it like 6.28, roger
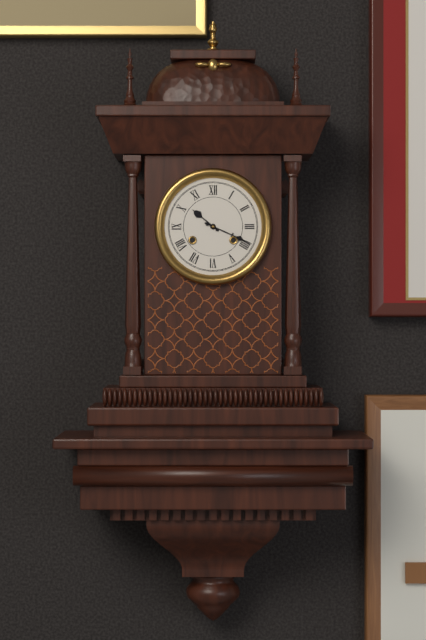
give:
10.19
